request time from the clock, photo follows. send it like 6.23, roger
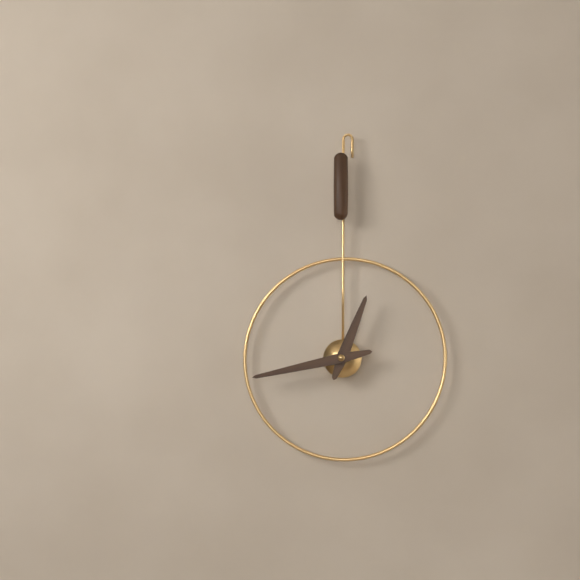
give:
12.43
